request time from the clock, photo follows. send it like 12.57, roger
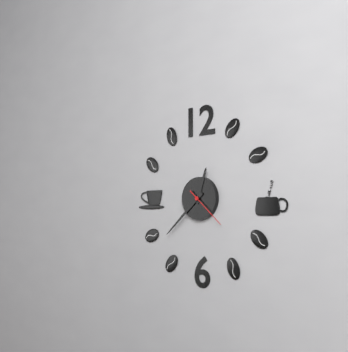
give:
12.38
